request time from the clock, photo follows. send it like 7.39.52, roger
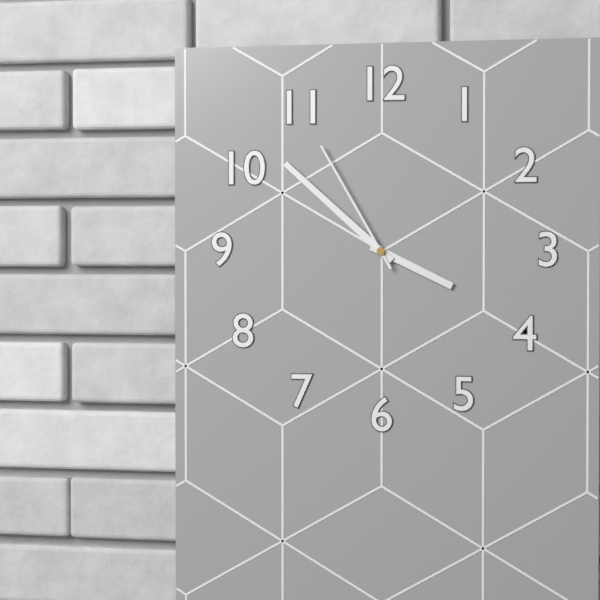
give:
3.52.55
